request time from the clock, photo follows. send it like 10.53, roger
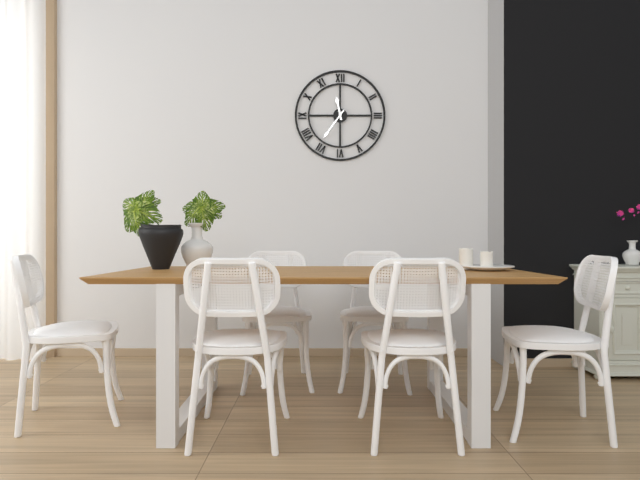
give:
11.36
